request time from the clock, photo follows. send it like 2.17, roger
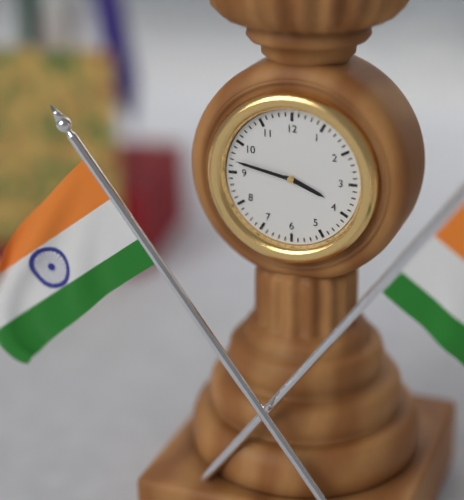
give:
3.47
